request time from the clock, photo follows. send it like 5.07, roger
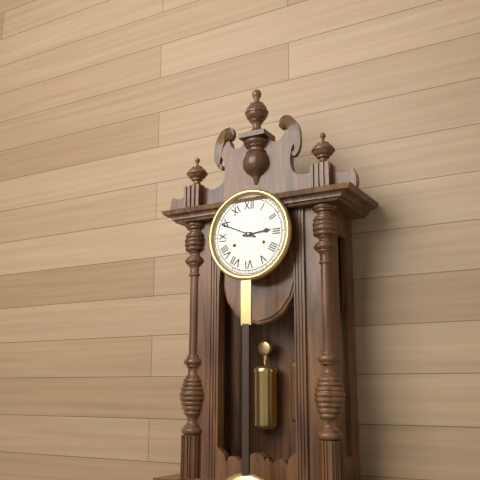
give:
2.49
